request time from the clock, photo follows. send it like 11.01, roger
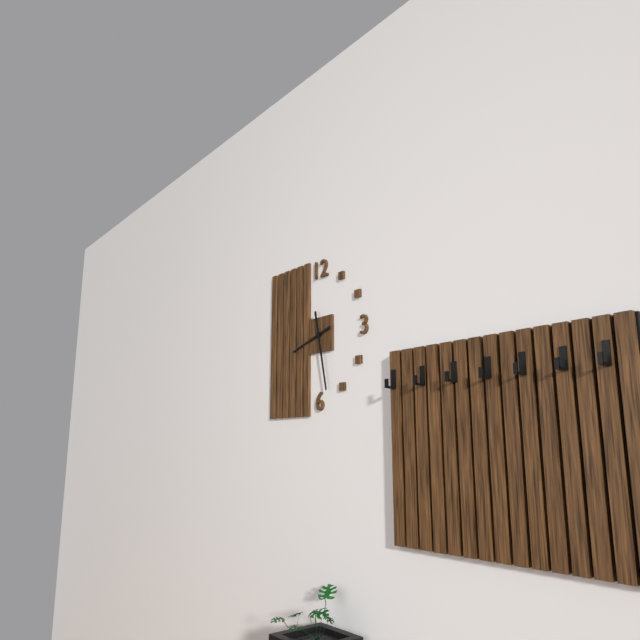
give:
8.28
